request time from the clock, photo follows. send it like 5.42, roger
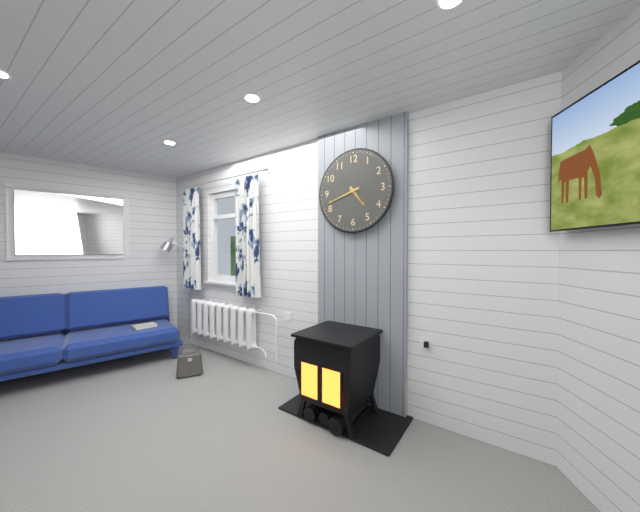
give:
4.42
